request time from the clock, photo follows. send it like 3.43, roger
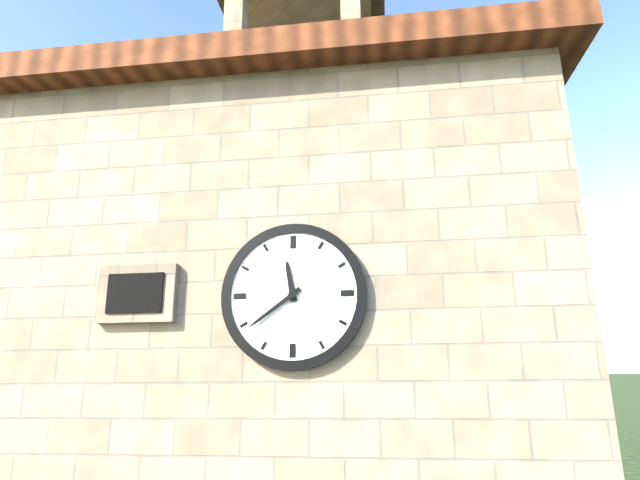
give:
11.39
